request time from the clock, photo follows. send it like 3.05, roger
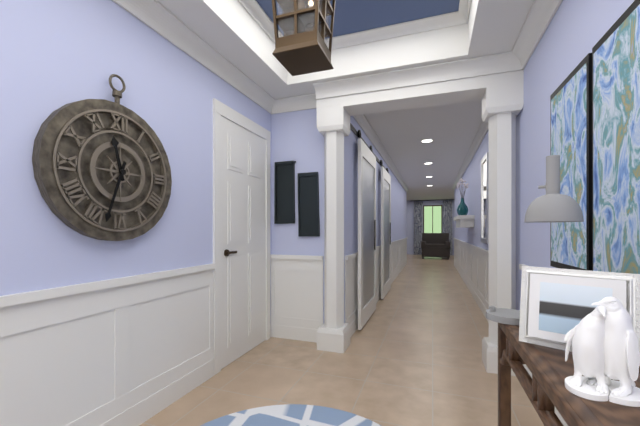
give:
11.33
